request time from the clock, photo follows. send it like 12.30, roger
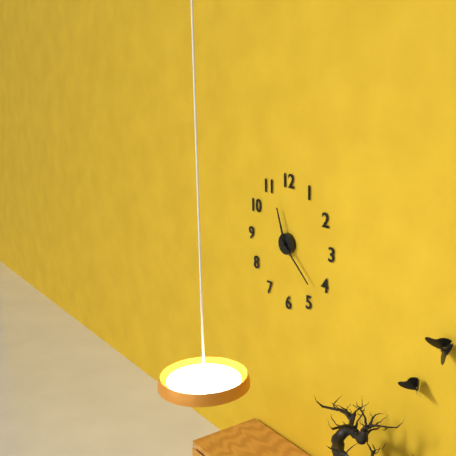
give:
11.22
